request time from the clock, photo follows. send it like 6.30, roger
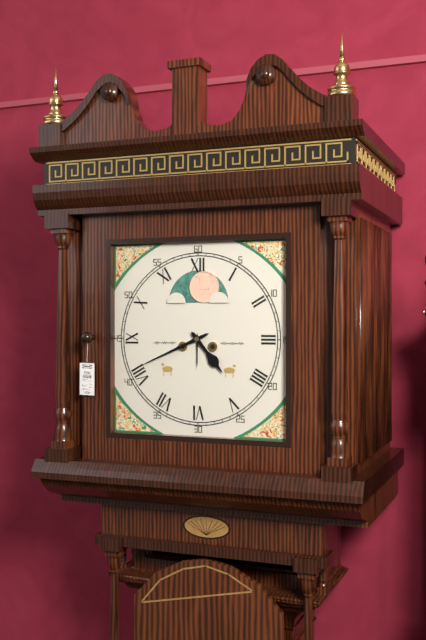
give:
4.41
